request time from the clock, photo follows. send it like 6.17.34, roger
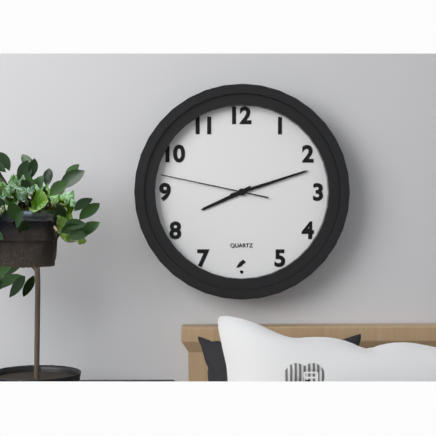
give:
8.12.47
